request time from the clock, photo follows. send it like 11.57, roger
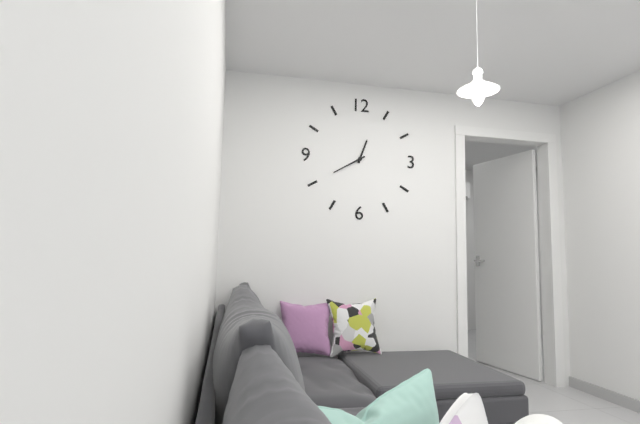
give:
12.40
